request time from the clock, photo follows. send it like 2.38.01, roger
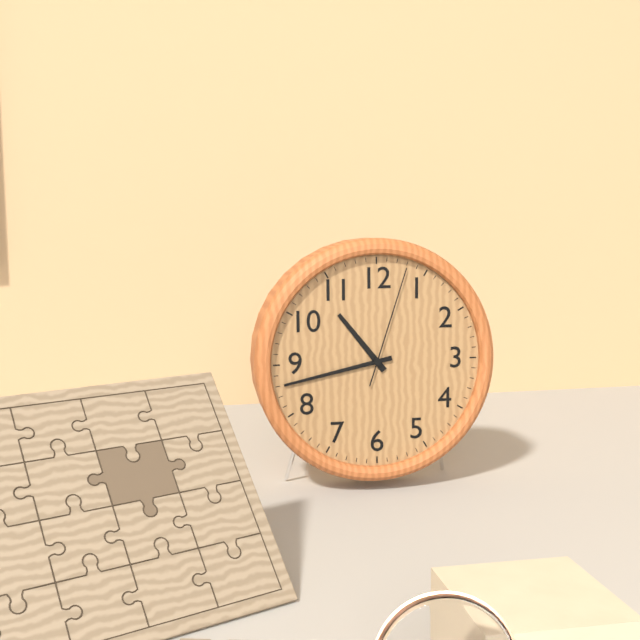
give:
10.43.03
